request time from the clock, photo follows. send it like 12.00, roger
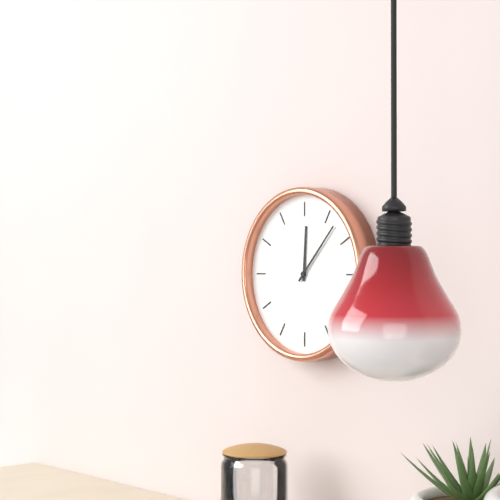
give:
12.07
